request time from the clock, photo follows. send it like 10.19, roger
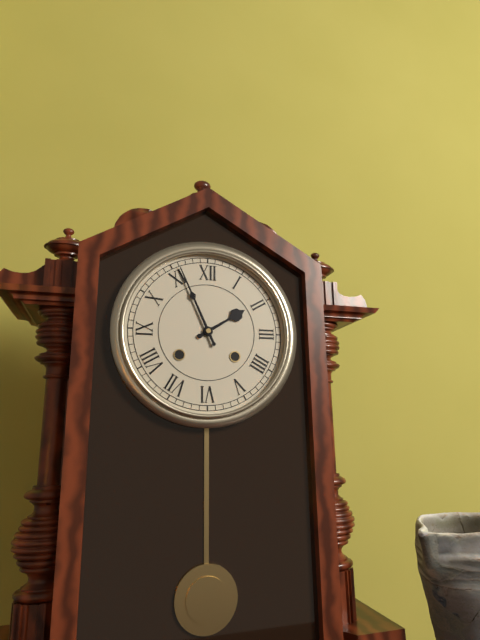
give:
1.56
